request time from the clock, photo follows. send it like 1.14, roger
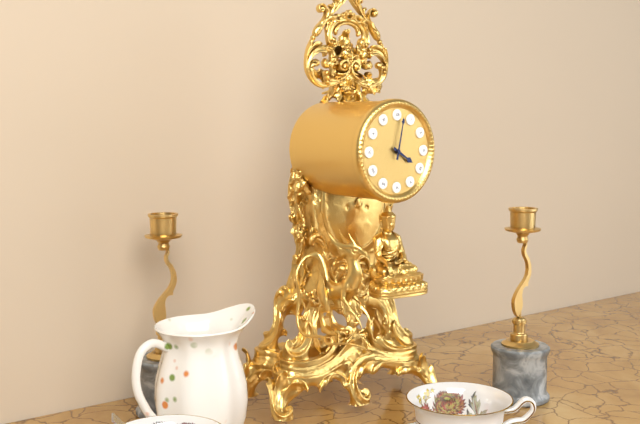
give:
4.02
